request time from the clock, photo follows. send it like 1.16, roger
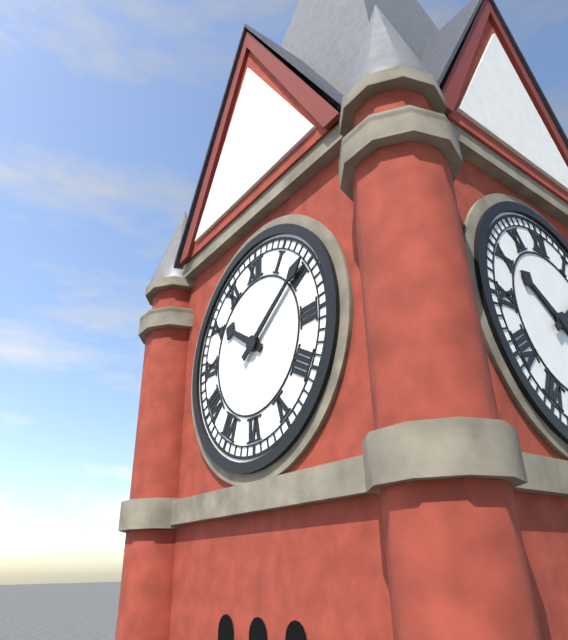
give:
10.09
